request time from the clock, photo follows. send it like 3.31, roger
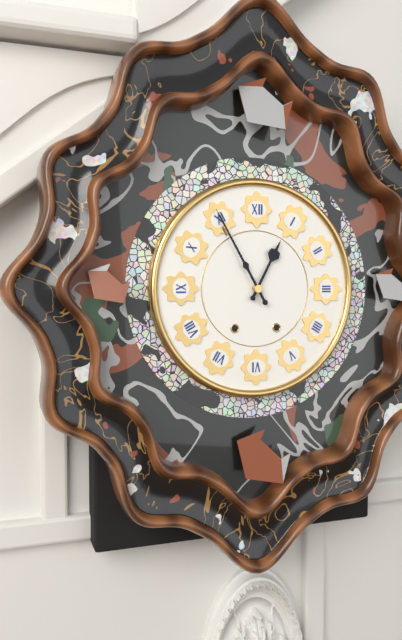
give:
12.55
